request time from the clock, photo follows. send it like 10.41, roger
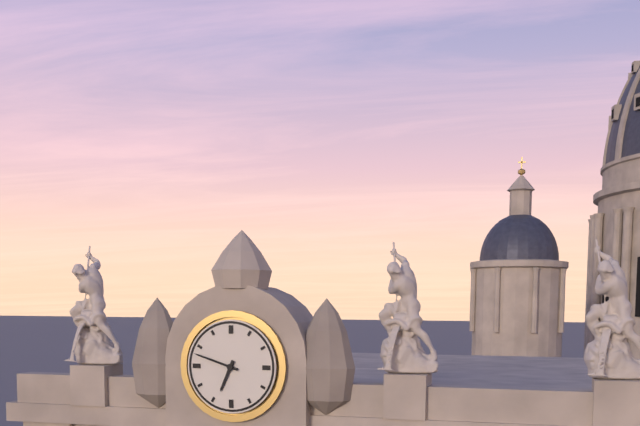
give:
6.48
